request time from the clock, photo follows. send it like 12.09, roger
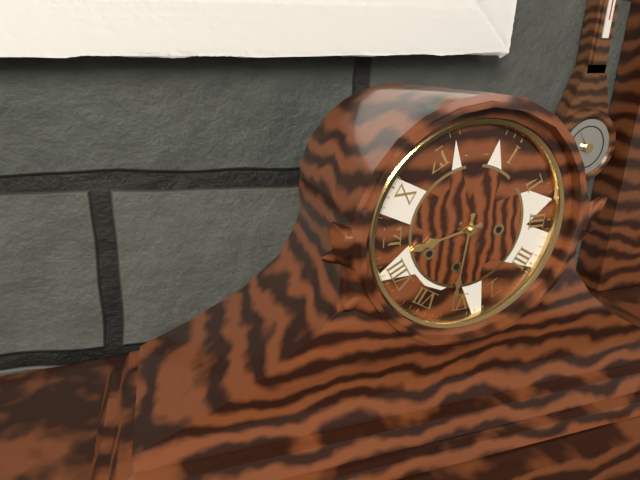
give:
8.31
